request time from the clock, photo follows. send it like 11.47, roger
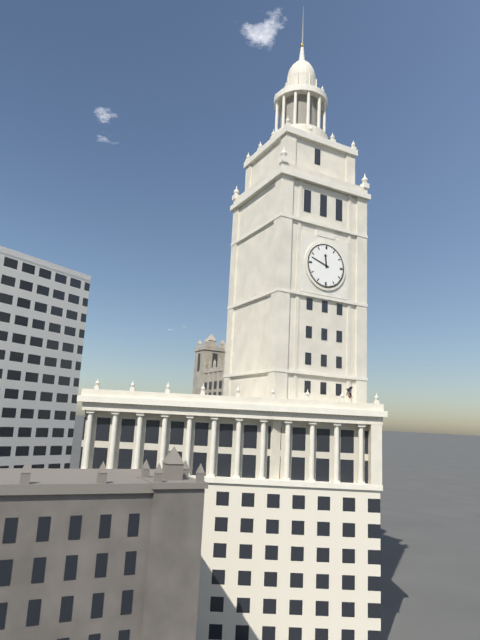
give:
11.48
